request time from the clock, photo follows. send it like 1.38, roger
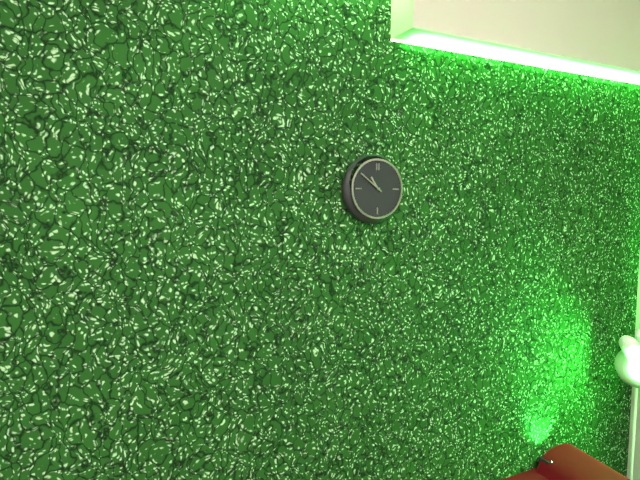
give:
10.51
